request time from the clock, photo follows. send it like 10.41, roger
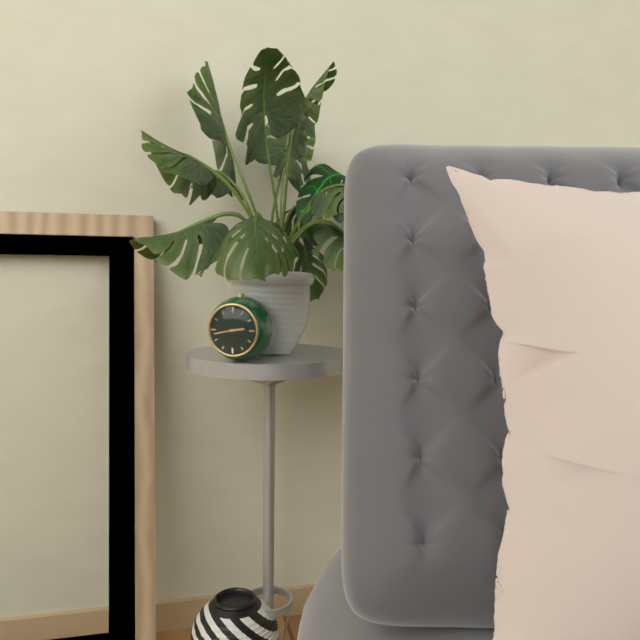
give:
2.43
